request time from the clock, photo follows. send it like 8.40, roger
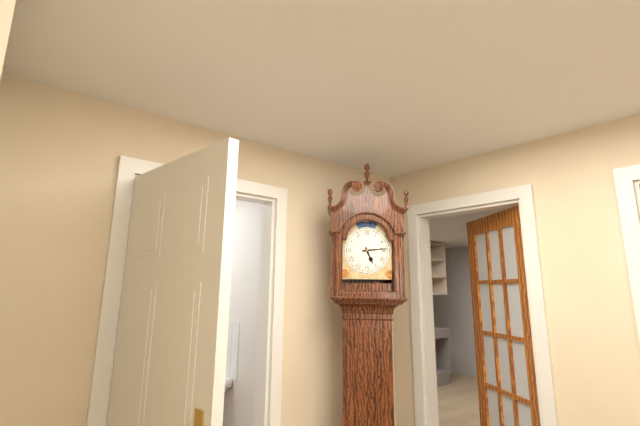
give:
5.14
